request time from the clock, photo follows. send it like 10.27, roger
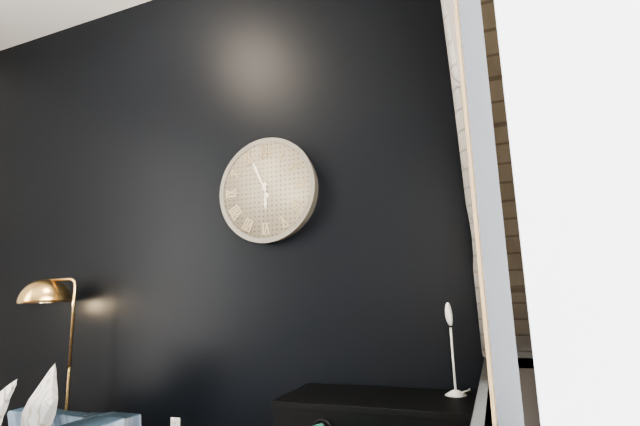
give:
5.56
